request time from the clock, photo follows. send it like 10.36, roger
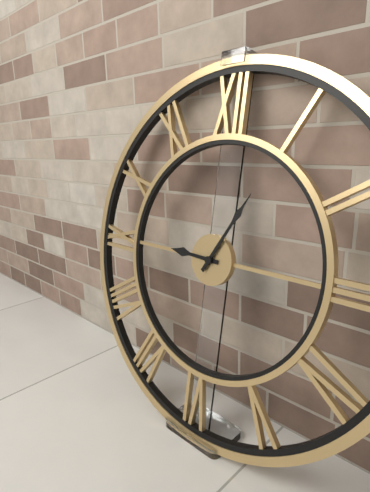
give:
9.05
